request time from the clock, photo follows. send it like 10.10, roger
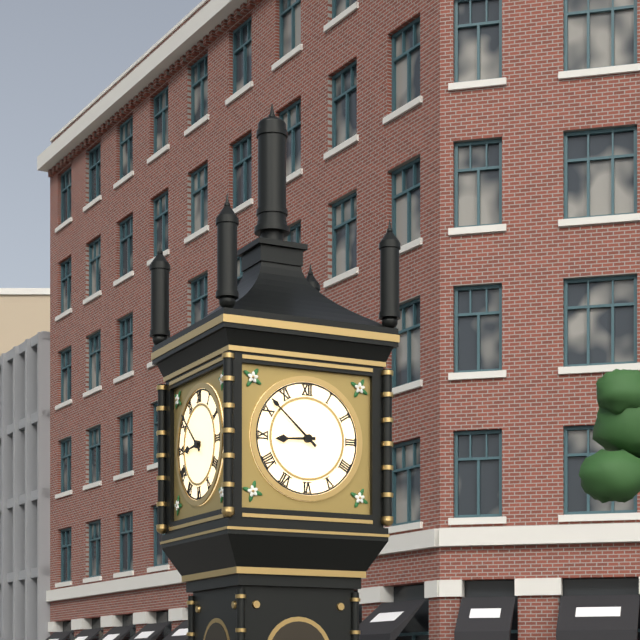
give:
8.52
